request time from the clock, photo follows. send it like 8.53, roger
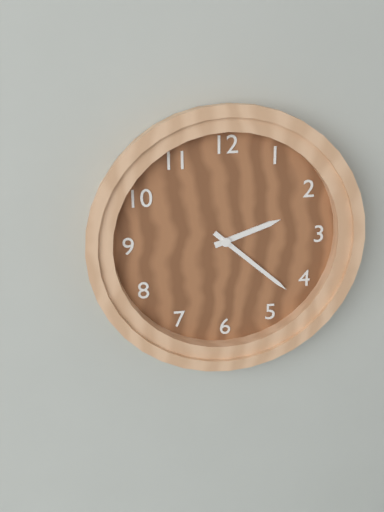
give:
2.22
